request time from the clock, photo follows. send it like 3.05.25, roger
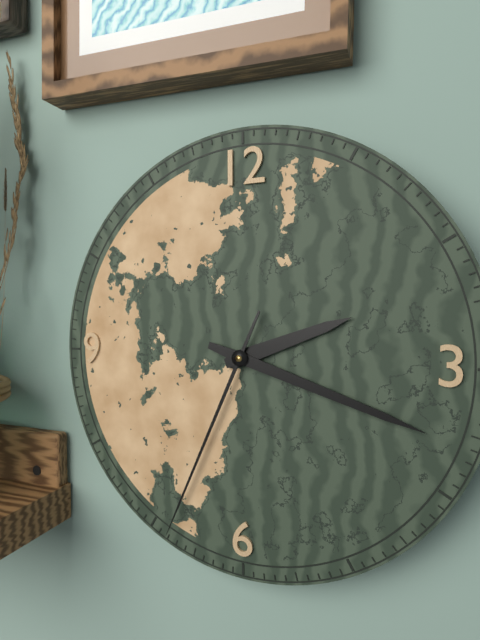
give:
2.18.34
